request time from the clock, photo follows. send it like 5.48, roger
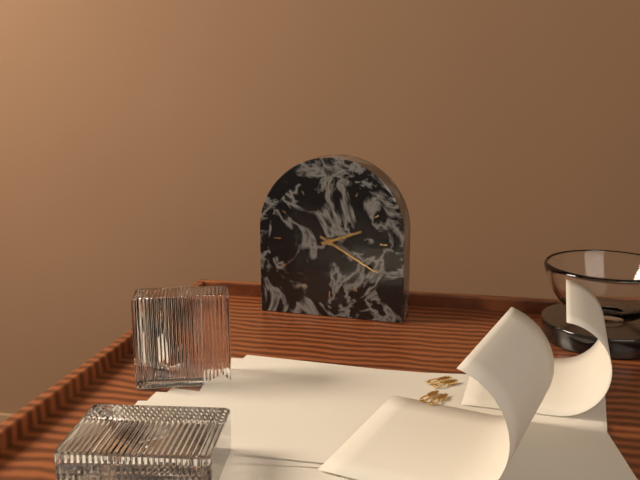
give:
2.20
